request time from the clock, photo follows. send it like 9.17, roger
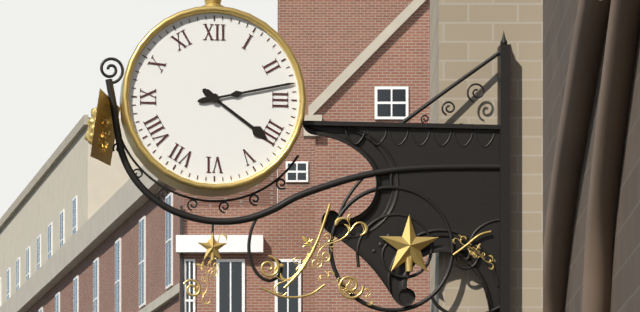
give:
4.13
